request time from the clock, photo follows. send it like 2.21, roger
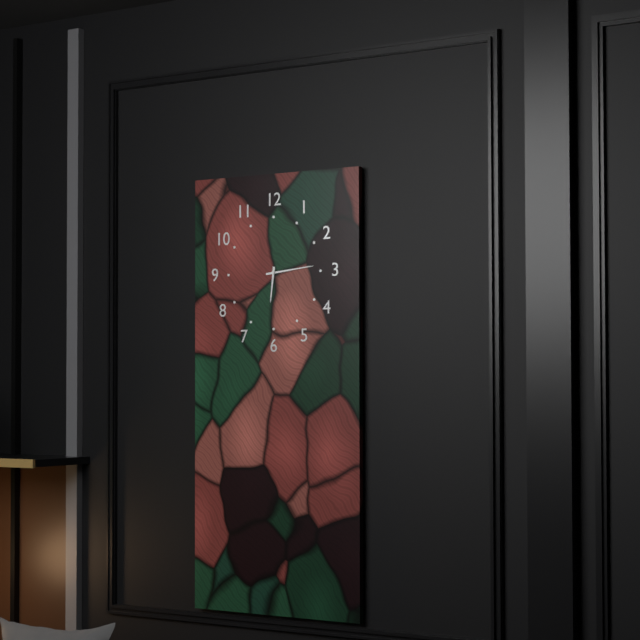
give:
6.14
